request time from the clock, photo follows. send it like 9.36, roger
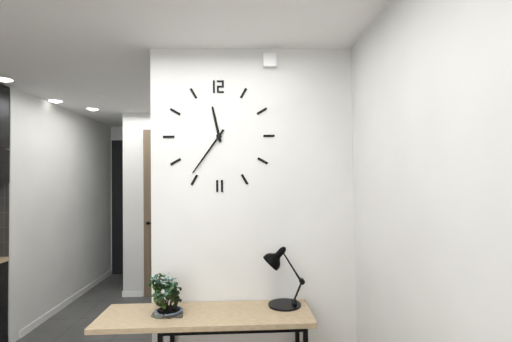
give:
11.36
